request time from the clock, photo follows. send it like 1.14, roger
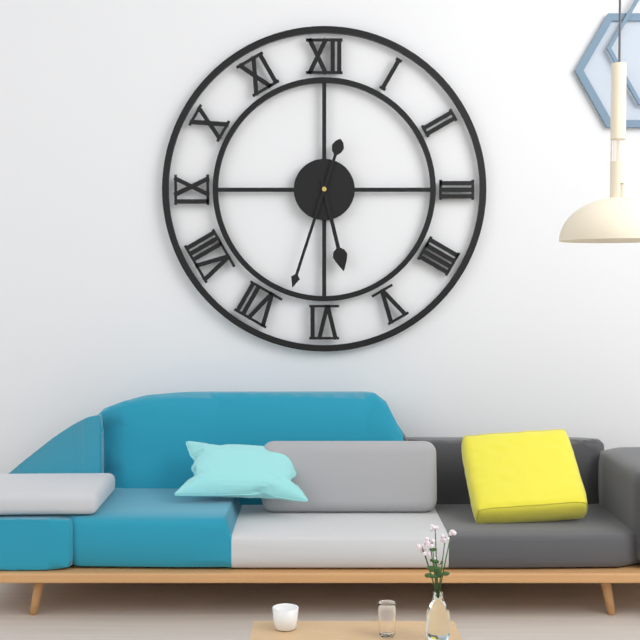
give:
5.33
